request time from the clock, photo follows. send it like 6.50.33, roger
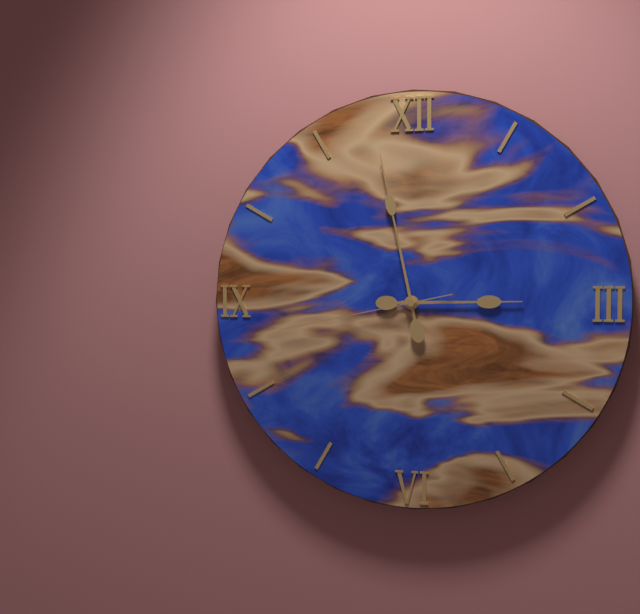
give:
2.58.43
